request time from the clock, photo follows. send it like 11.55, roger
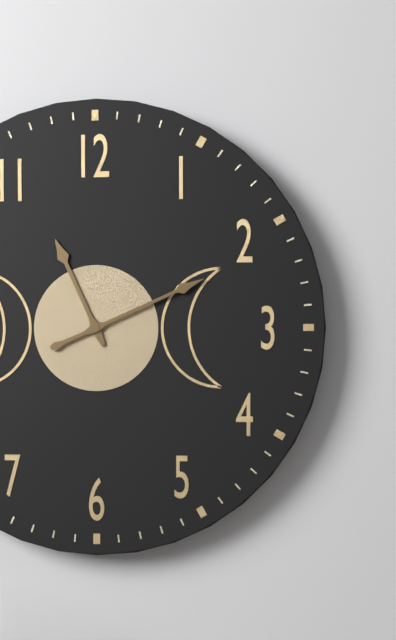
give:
11.11
